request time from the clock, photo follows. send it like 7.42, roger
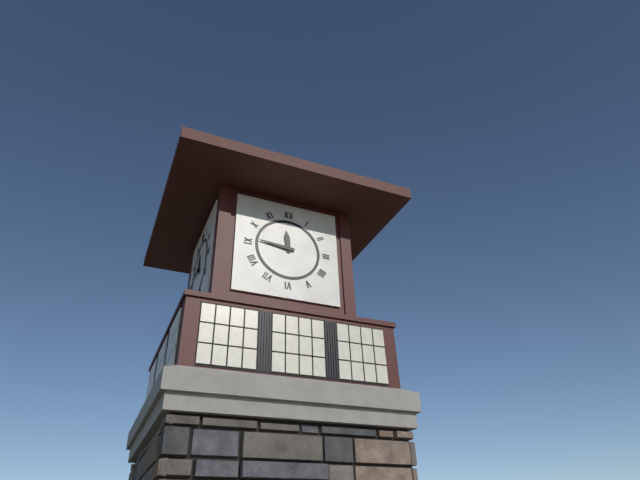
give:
11.46
